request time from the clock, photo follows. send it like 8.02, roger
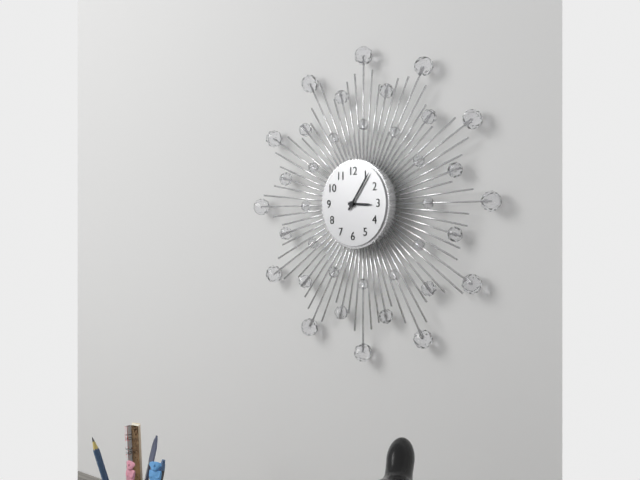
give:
3.06
